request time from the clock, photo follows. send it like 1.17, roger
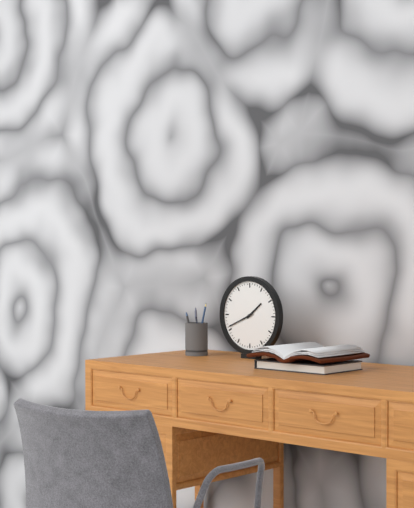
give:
1.41
